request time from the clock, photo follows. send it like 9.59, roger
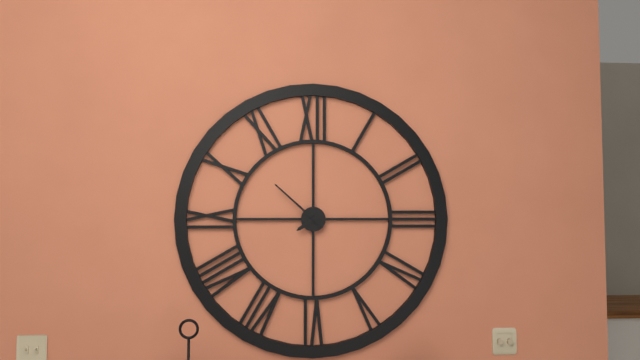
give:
7.52
